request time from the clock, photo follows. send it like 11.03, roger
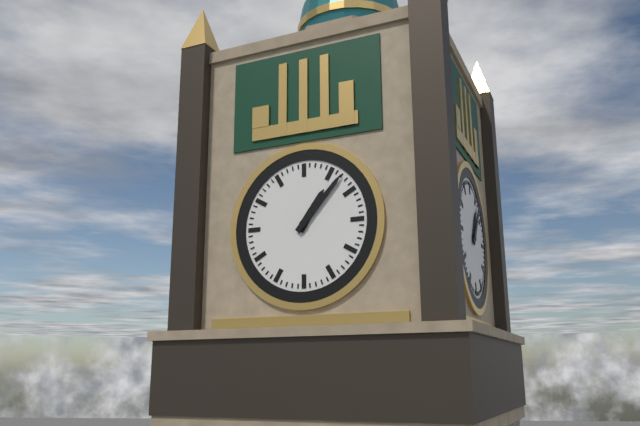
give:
1.07
